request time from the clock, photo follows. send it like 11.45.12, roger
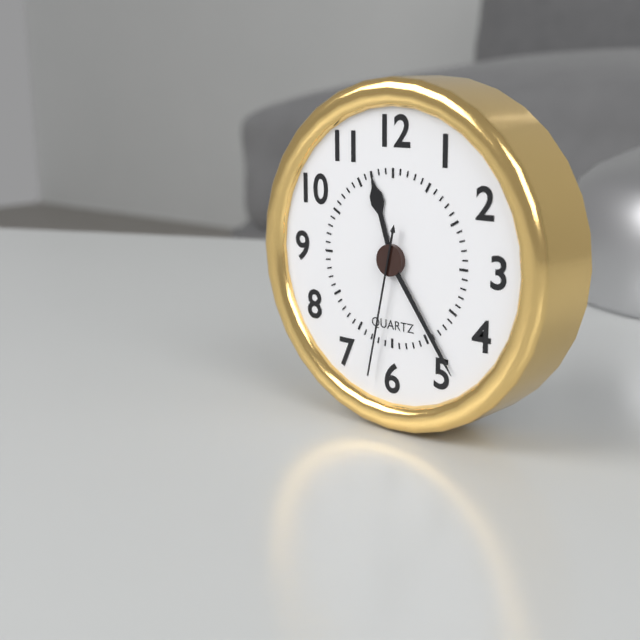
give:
11.24.32
